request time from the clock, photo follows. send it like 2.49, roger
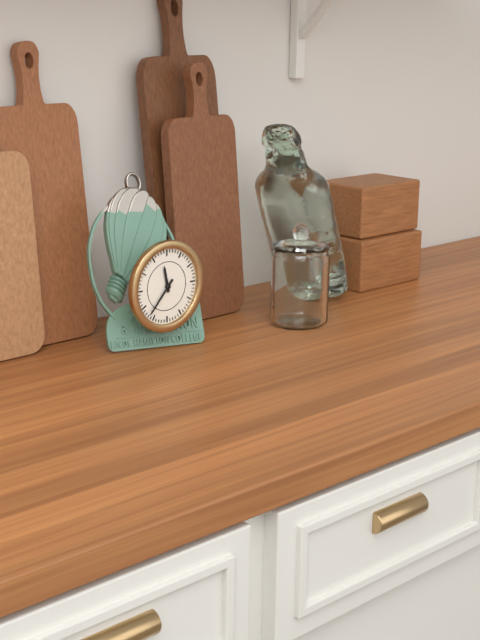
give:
11.37
